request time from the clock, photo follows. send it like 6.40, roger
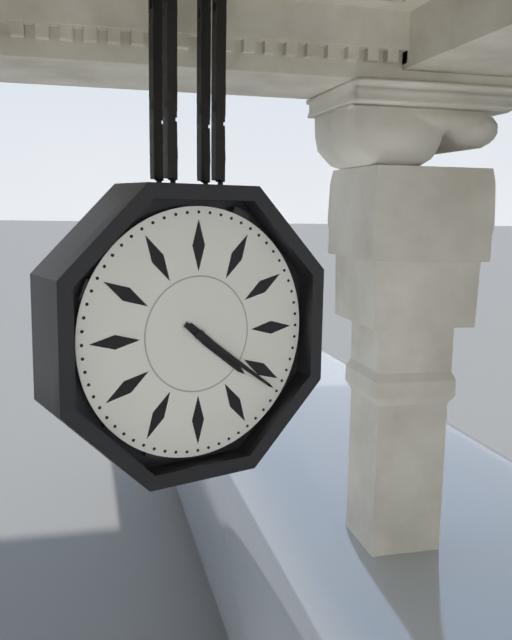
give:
4.21
